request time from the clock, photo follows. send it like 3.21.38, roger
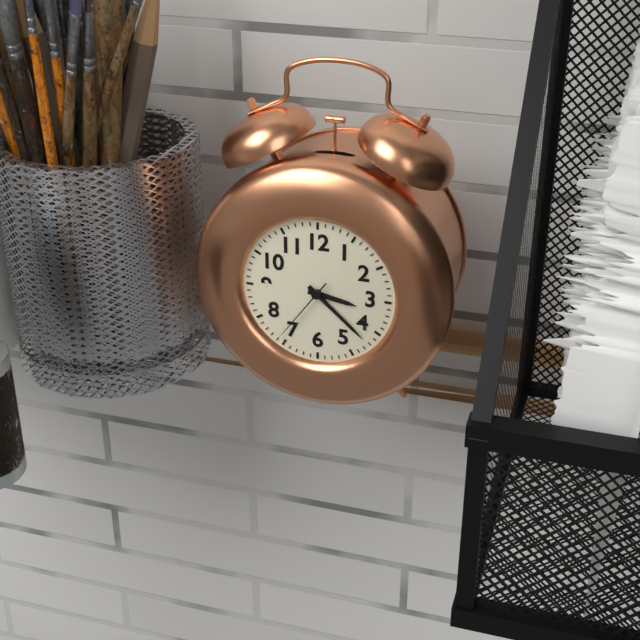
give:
3.22.36
